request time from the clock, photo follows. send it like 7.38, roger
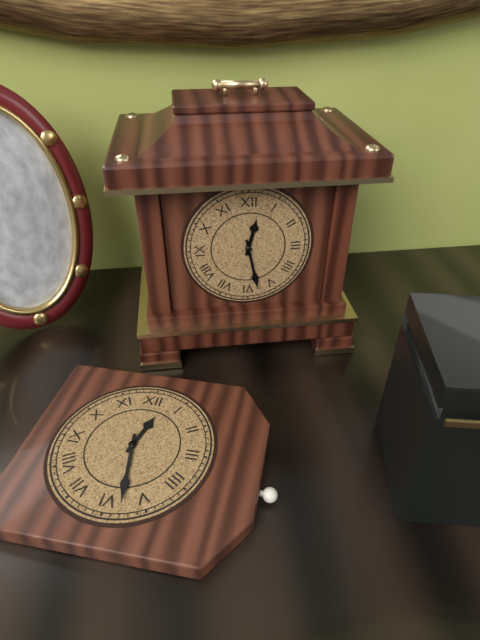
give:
12.28
